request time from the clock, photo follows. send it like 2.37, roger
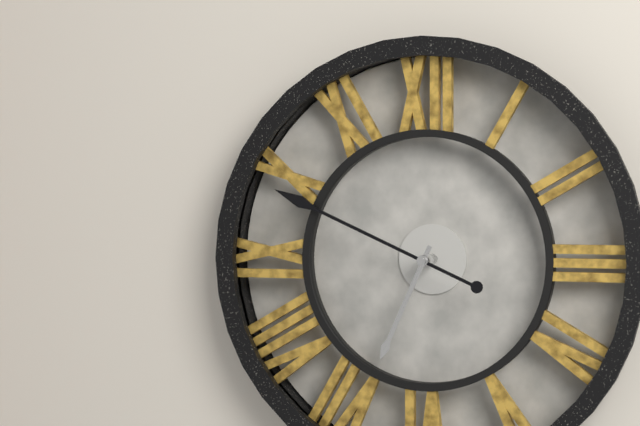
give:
6.49
